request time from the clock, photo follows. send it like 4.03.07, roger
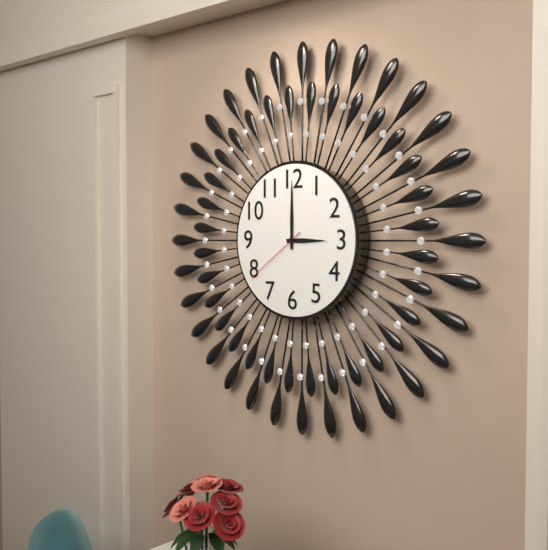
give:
3.00.39
